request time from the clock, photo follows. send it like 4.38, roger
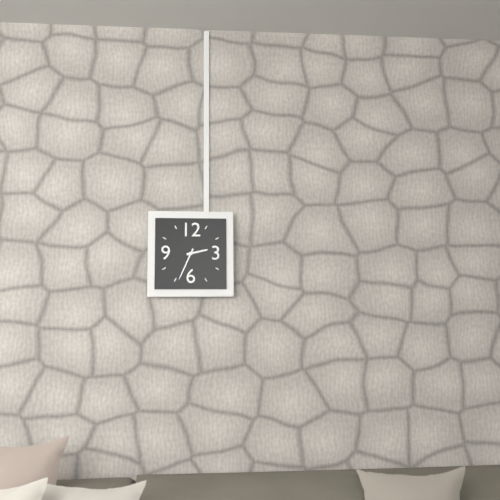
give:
2.34
